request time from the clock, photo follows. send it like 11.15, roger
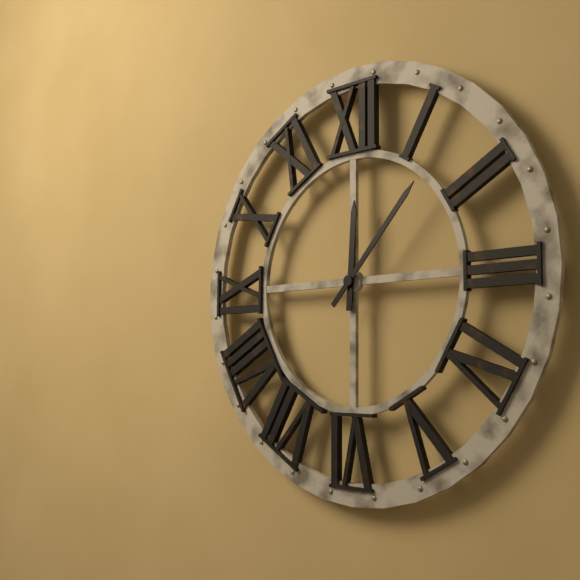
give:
12.07
